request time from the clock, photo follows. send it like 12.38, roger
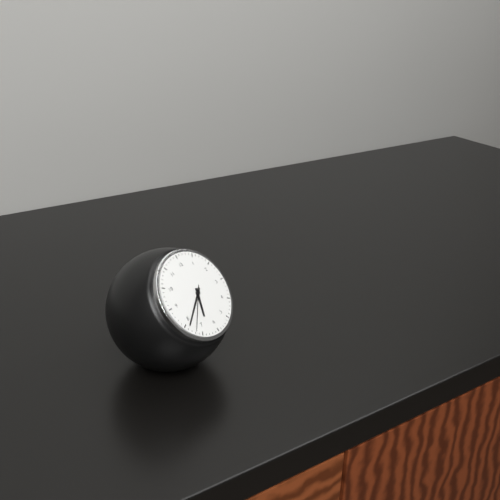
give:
6.39
